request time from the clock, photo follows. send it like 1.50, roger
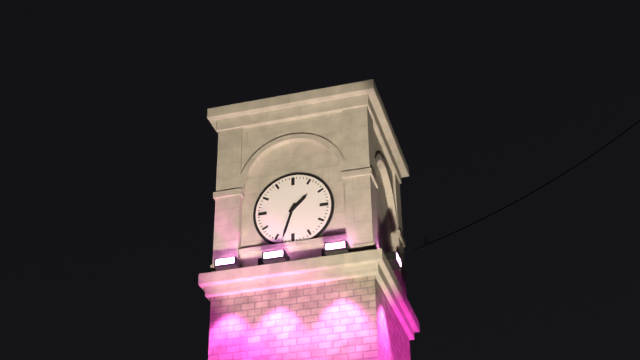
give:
1.33
